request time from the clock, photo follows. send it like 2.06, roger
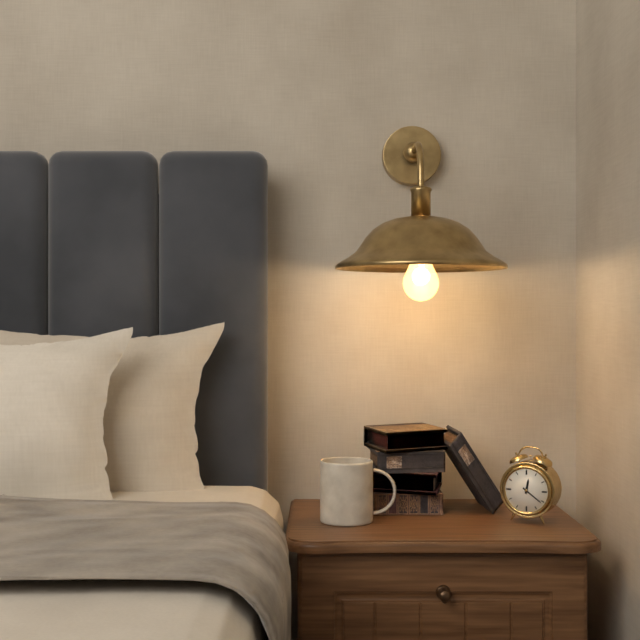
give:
12.21
